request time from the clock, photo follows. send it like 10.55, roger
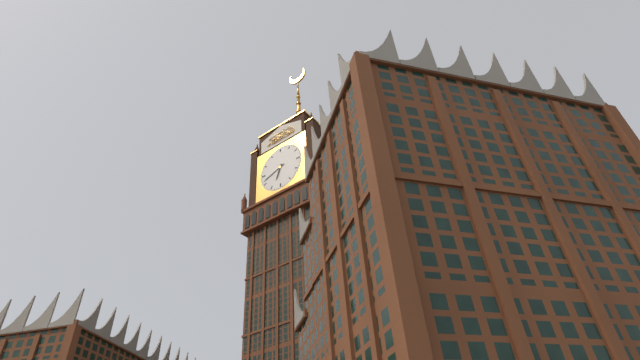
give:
6.42
